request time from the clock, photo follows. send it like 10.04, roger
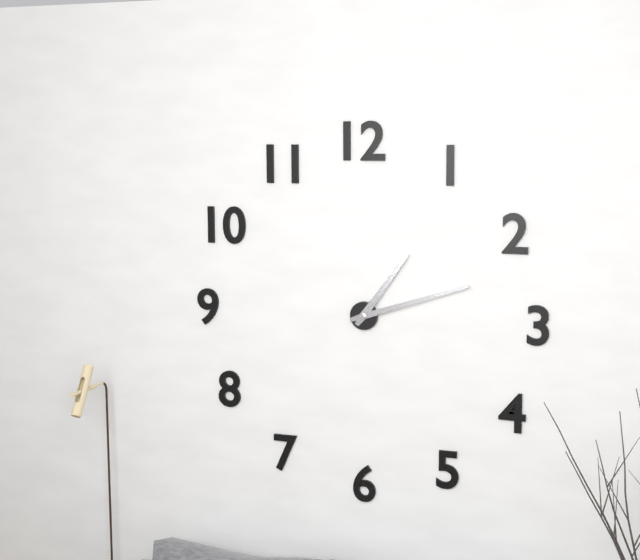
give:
1.12
